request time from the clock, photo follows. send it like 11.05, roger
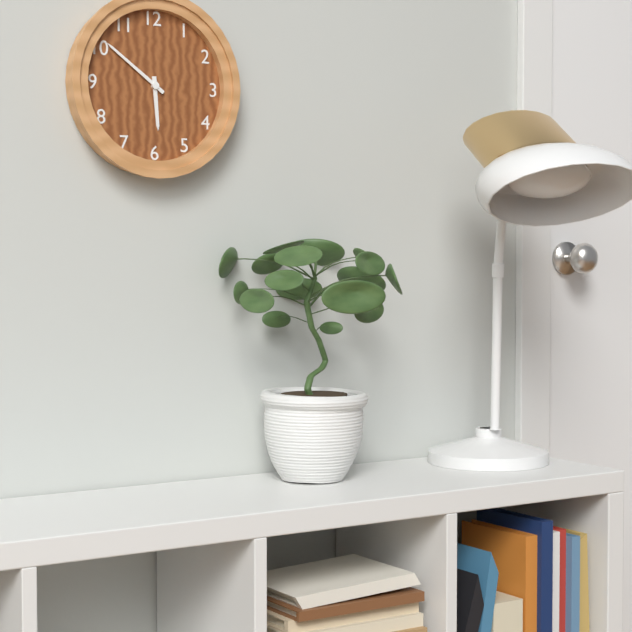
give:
5.51
